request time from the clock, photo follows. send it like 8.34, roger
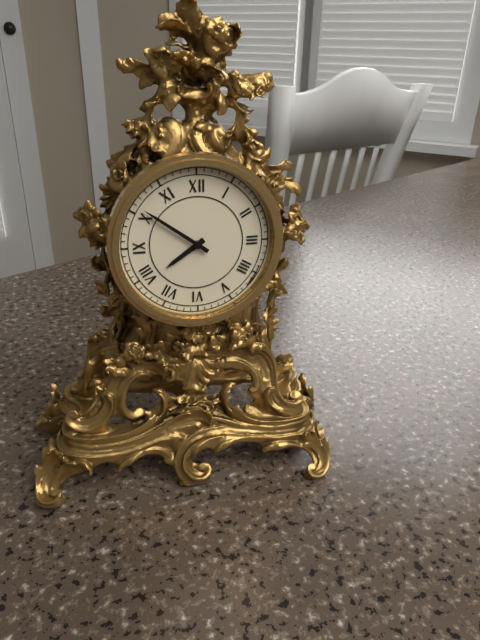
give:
7.51
